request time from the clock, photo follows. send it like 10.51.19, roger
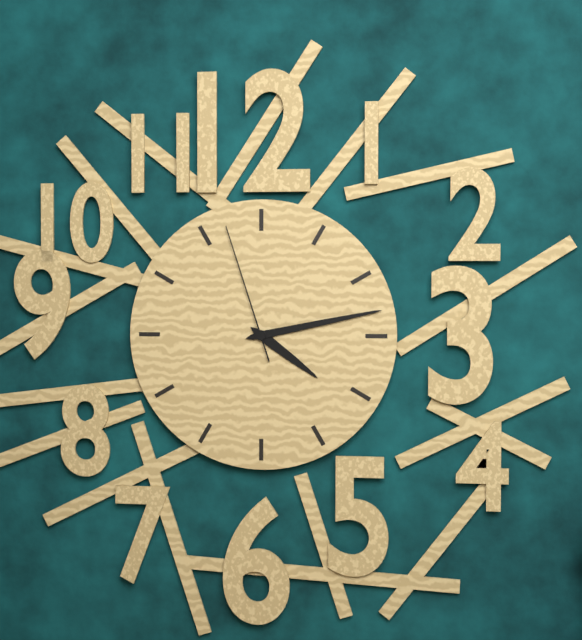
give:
4.13.57
